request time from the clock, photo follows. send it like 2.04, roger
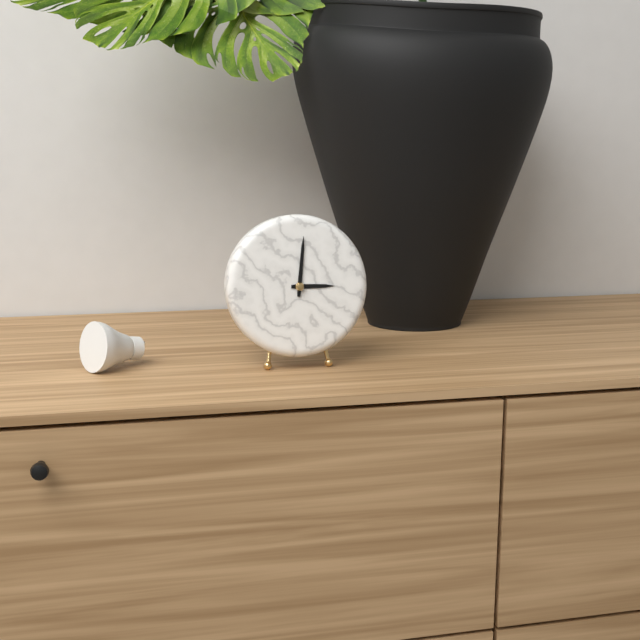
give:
3.01
